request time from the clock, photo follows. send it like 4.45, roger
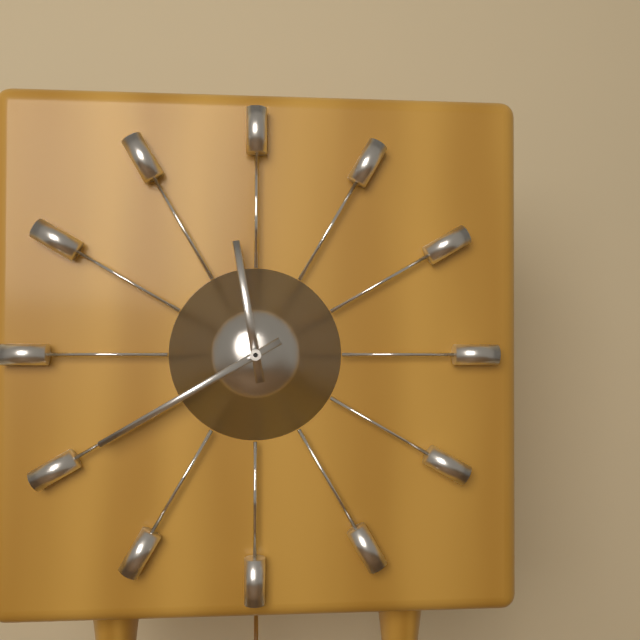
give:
11.40
